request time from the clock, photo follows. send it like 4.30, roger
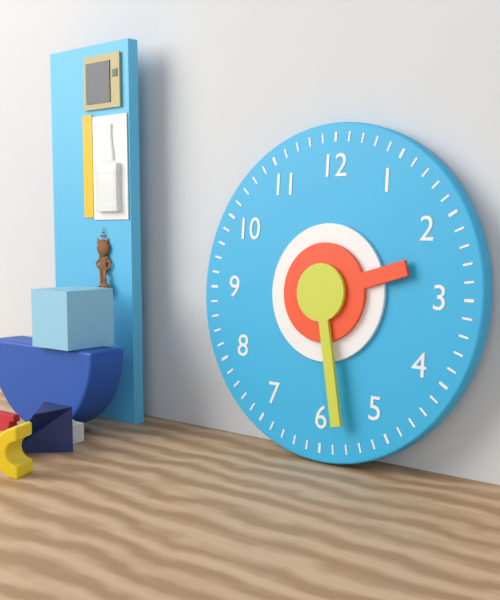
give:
2.28
